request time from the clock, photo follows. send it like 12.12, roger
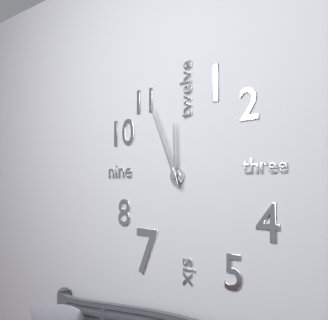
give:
11.56
